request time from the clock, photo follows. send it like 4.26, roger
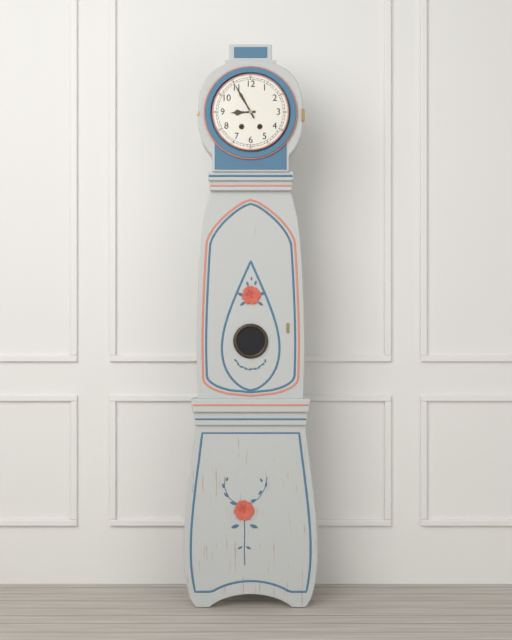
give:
8.55
